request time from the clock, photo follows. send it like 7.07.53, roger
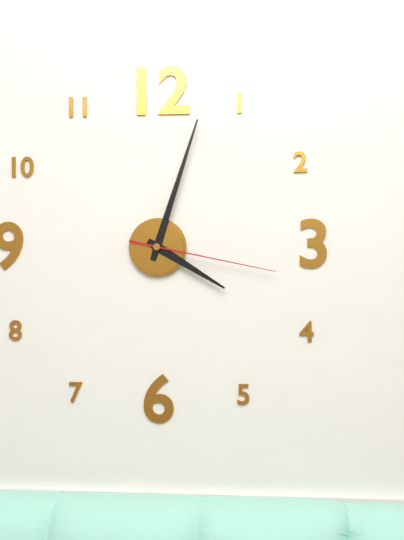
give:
4.03.17
